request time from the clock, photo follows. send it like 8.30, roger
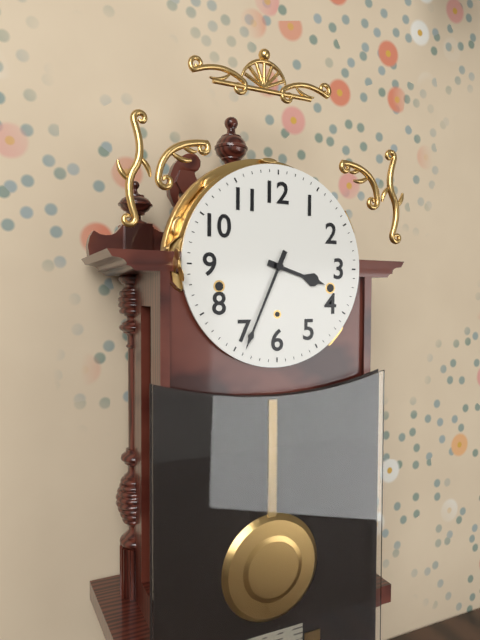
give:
3.34
